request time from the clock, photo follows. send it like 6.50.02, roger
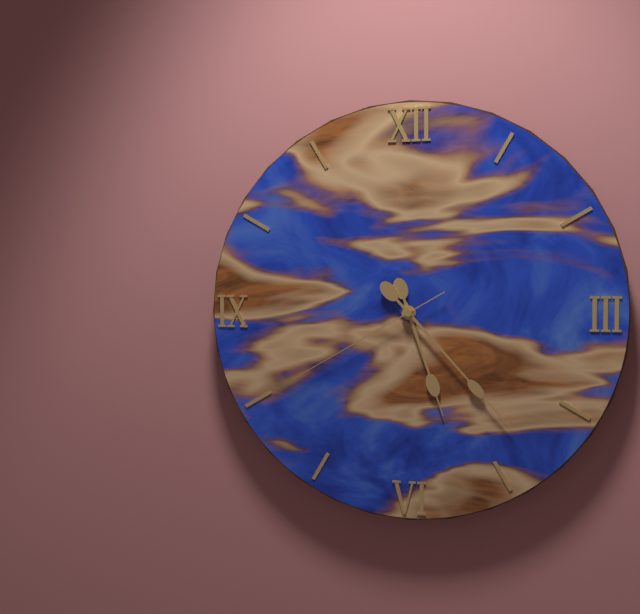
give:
5.23.40
